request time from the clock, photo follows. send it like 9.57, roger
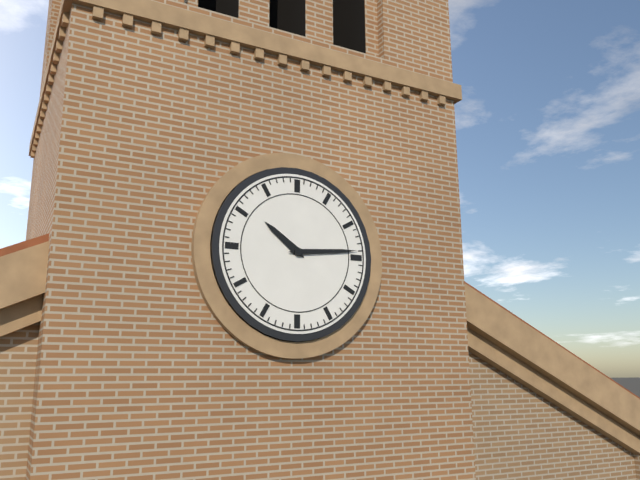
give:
10.14
